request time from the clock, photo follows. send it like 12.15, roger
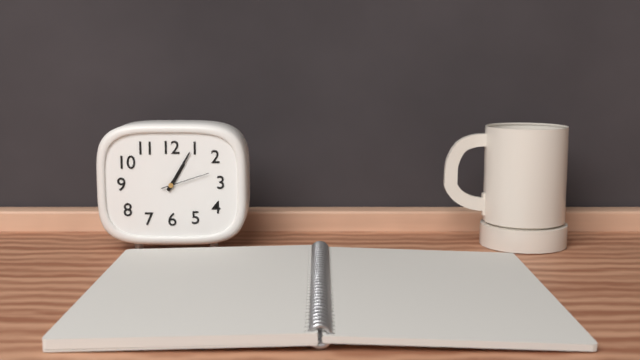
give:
1.05
